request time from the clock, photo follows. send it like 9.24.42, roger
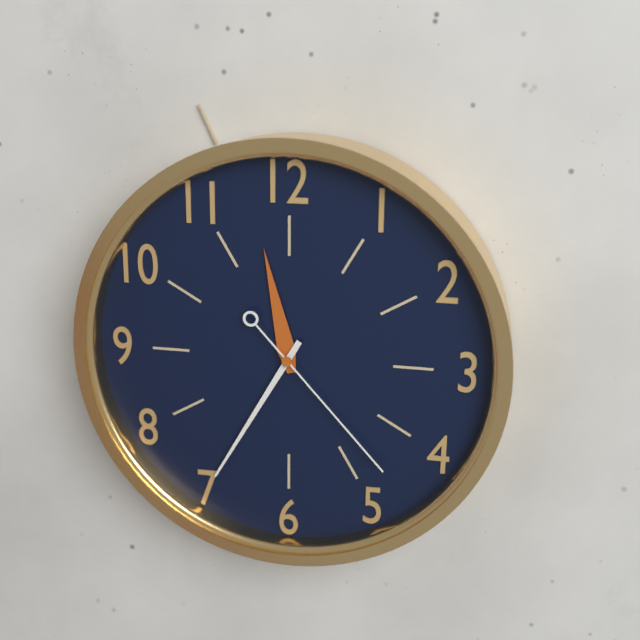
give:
11.35.23
